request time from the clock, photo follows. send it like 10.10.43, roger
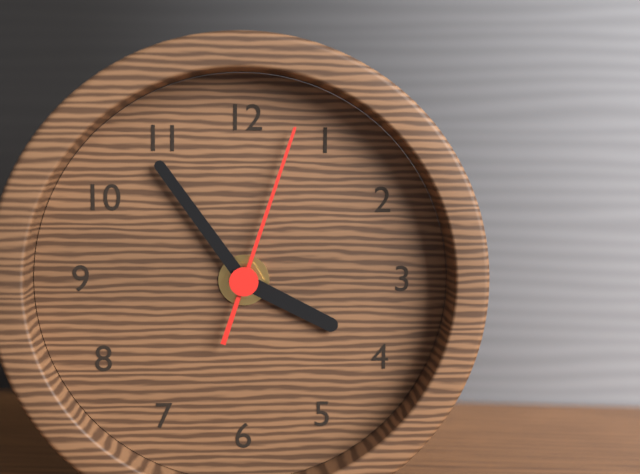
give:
3.54.03
